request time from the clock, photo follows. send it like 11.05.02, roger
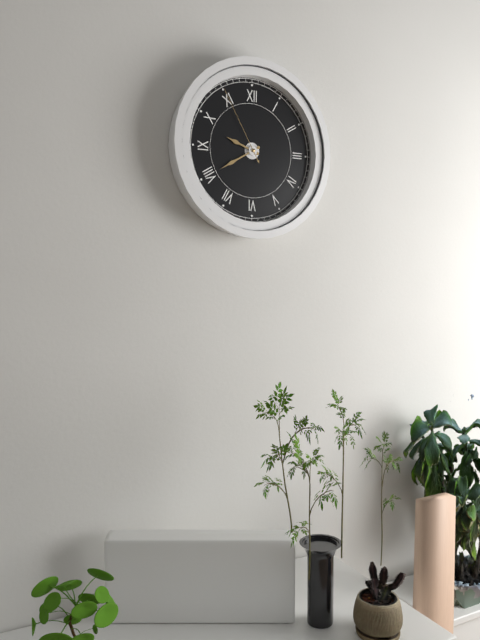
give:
9.40.55
